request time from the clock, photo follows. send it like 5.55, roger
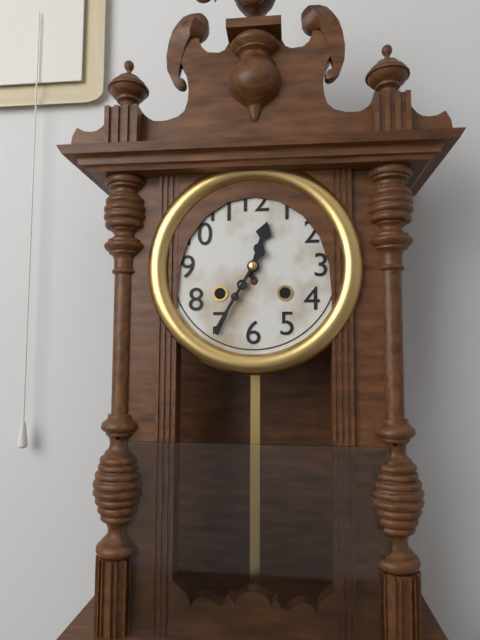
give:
12.35
